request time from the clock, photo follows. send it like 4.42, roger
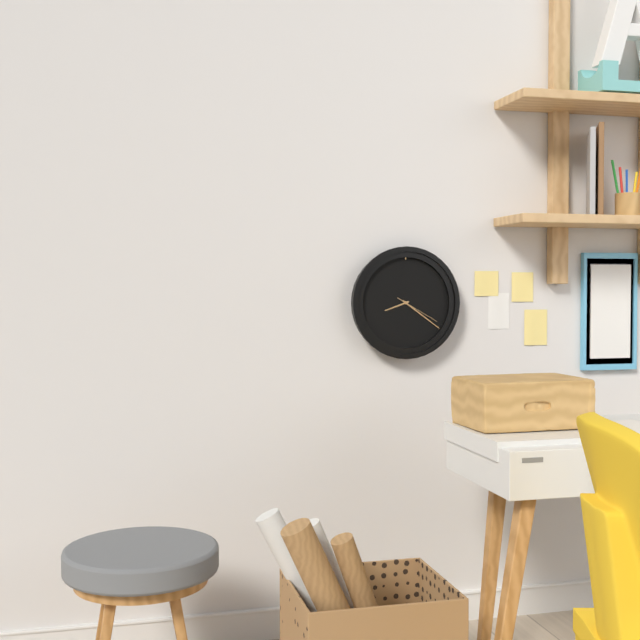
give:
8.21
